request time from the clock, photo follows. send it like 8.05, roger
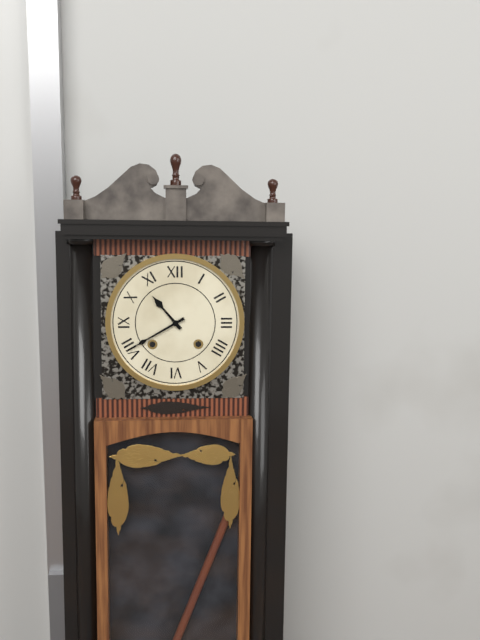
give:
10.40
